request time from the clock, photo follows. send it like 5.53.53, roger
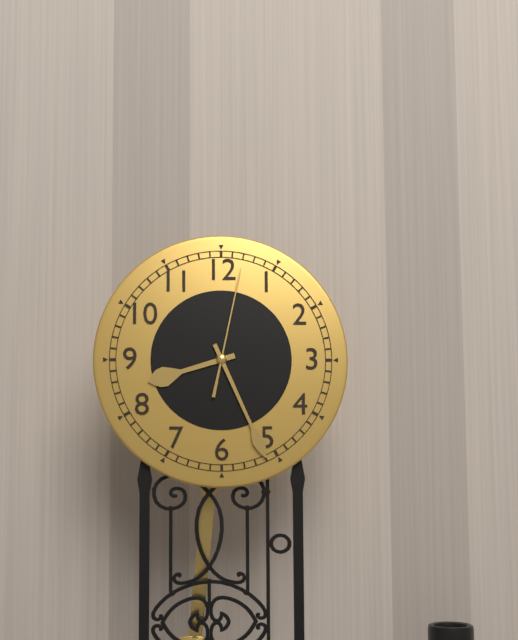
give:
8.26.02
